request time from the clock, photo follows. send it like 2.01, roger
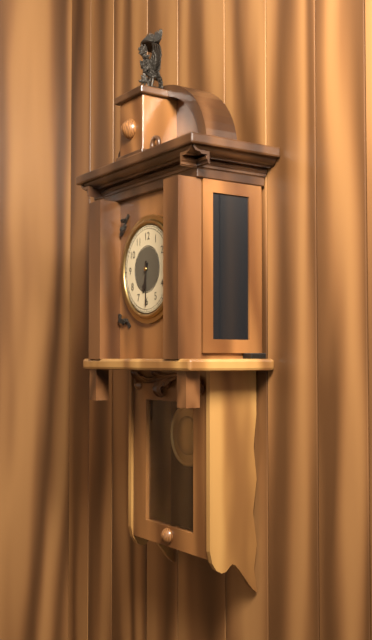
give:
6.30
